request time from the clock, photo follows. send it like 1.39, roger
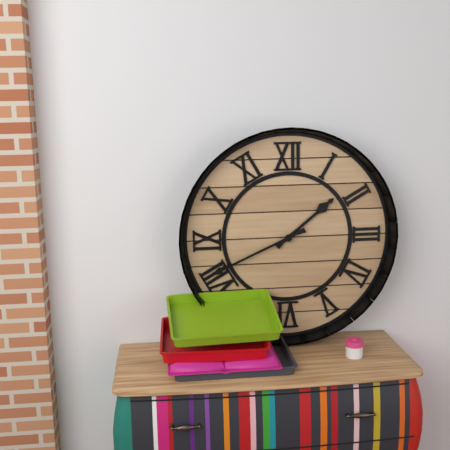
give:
1.41
